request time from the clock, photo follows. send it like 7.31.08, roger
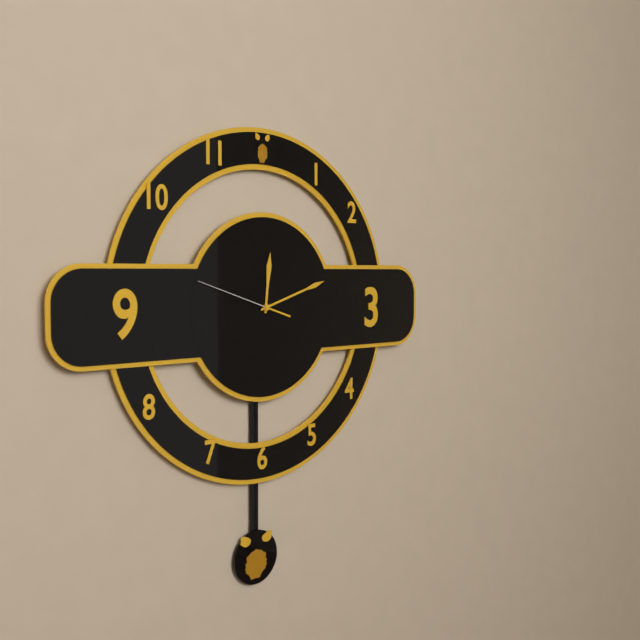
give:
12.12.48
